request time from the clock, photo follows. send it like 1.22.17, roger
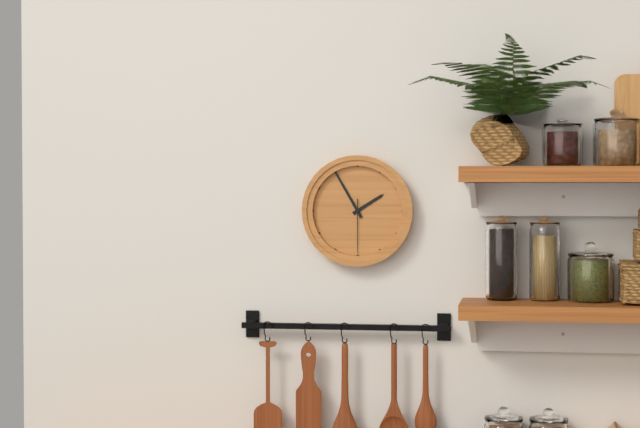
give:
1.55.30
